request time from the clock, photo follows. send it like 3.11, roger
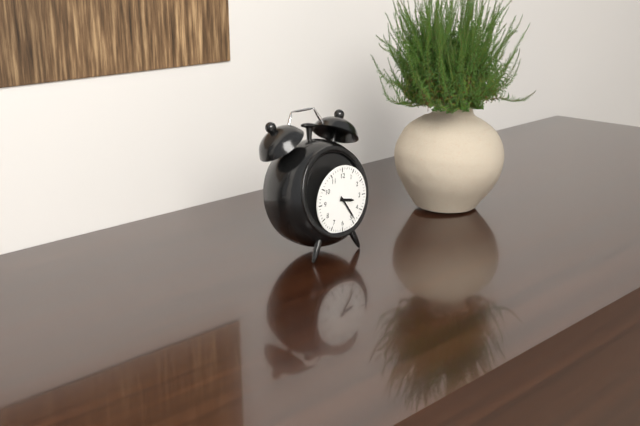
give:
3.24
